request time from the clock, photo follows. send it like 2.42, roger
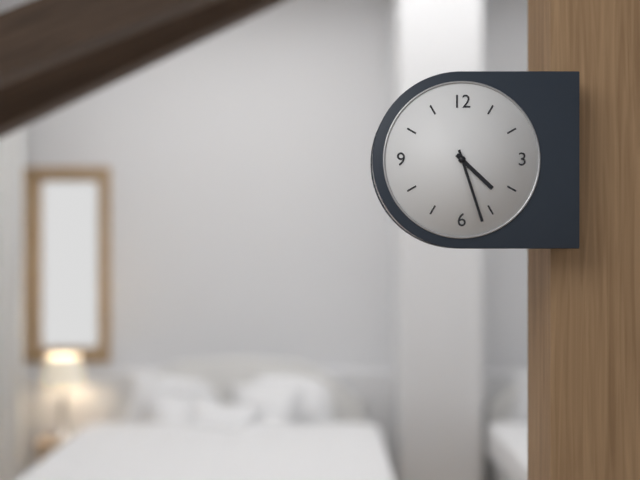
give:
4.27
